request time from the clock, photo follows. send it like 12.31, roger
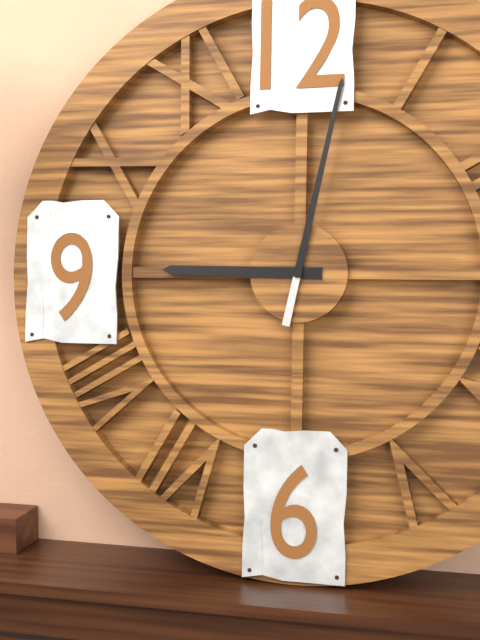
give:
9.02
